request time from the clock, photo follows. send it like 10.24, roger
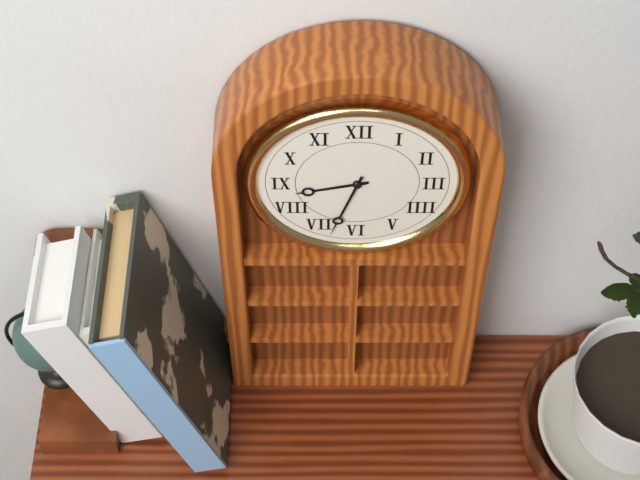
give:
8.33
